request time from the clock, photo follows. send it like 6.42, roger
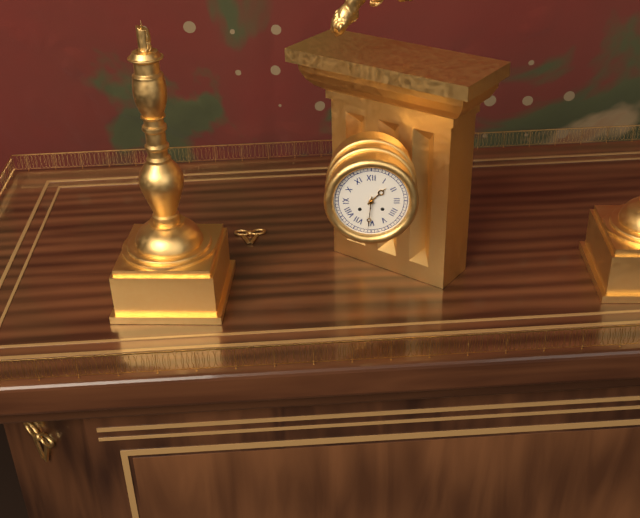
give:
1.31
